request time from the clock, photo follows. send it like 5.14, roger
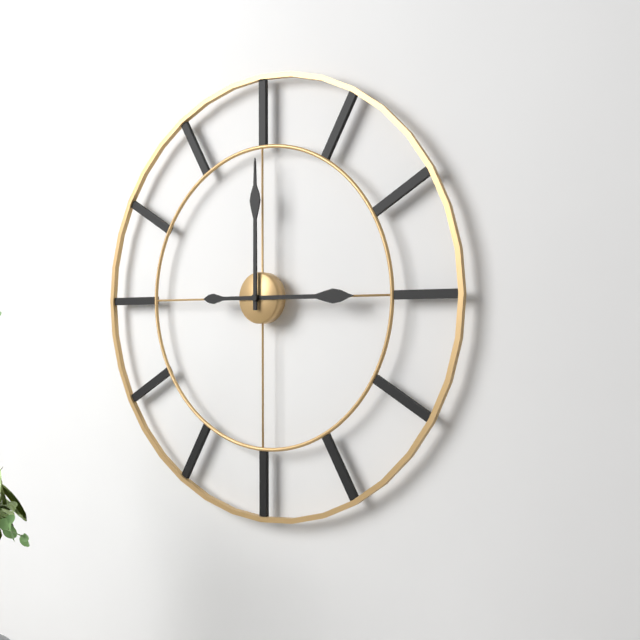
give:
3.00
